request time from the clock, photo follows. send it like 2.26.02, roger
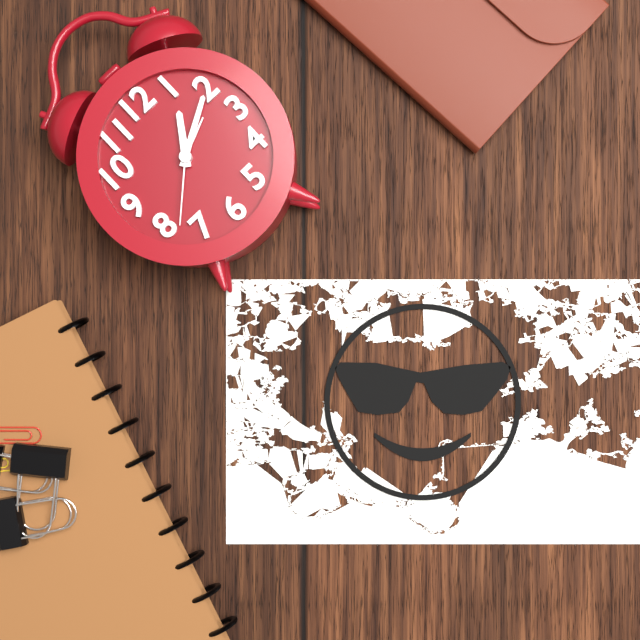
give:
1.10.38
